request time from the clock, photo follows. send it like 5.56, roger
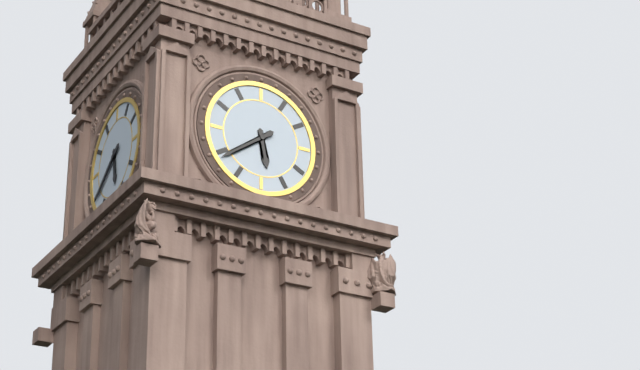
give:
5.39
